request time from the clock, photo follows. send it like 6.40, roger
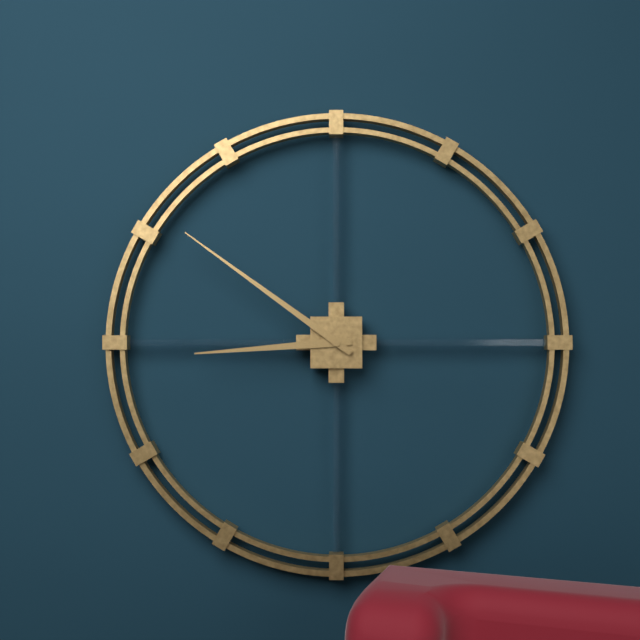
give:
8.51
